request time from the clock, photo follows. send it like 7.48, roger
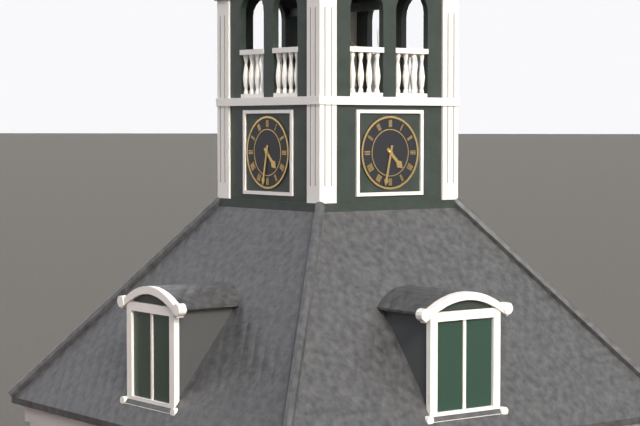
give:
4.32
